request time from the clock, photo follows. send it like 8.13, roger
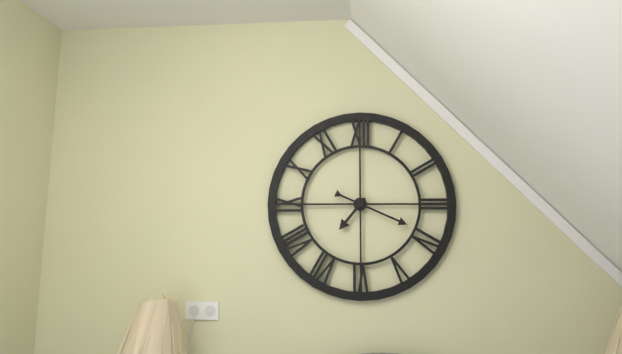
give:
7.19
